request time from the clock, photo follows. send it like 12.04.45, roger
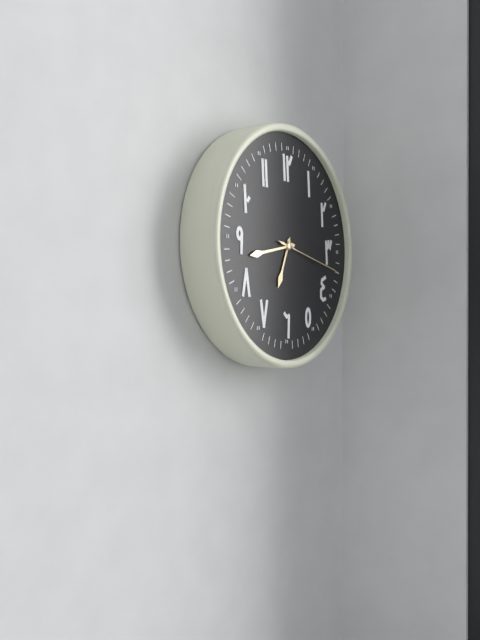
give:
6.43.17
